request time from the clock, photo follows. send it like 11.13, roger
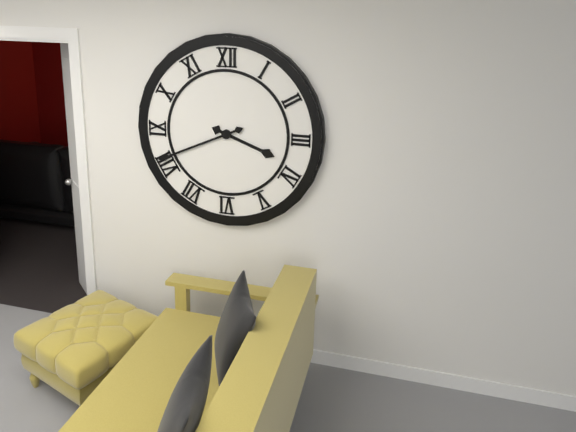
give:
3.41
